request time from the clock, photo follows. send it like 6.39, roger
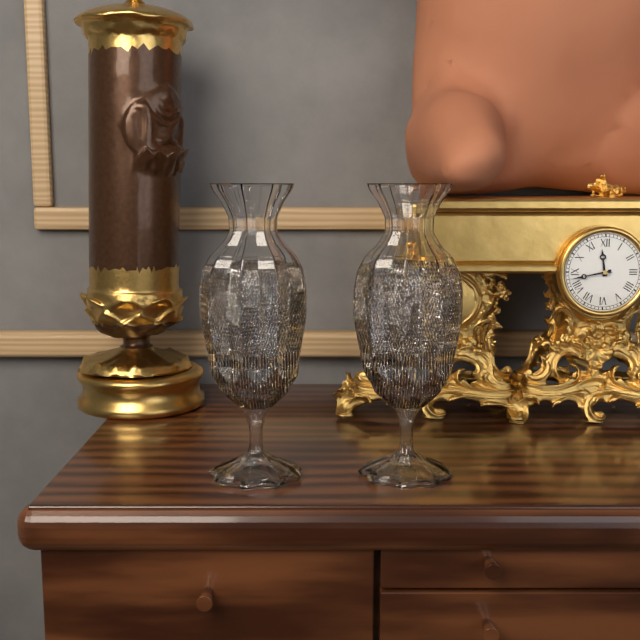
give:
11.43
